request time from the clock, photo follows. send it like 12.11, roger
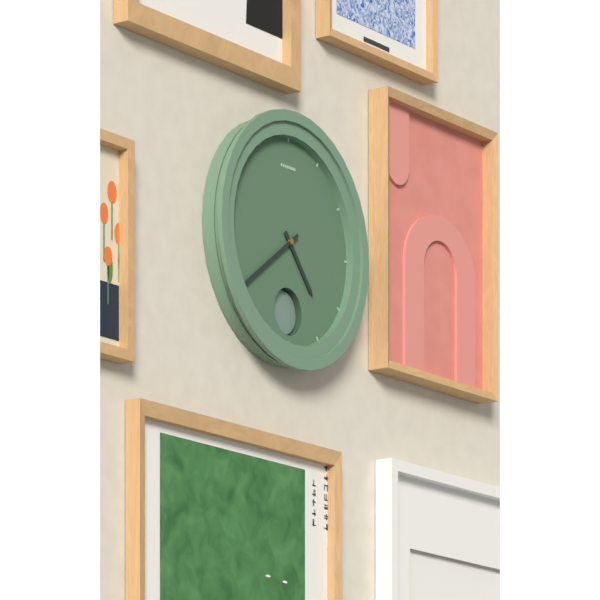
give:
4.39
